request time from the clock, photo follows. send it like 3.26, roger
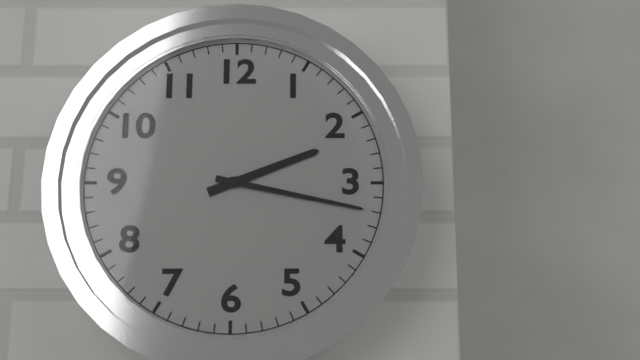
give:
2.17
